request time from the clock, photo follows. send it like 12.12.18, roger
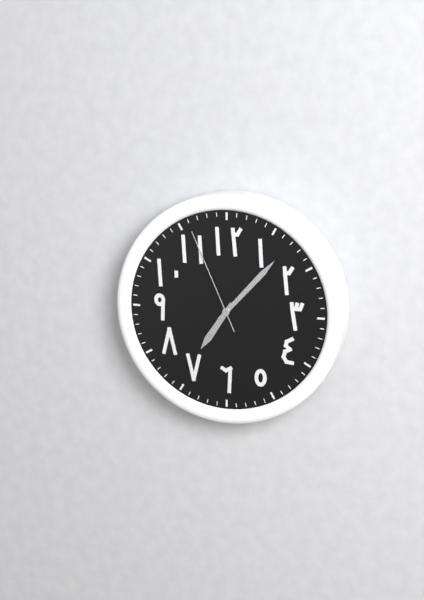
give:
7.07.56
